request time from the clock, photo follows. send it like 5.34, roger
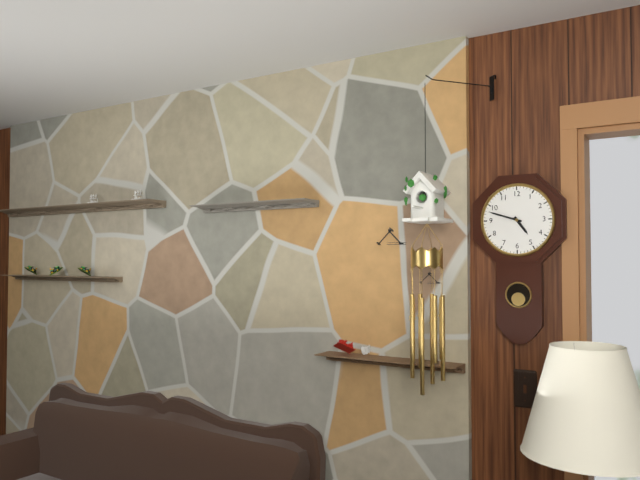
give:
4.48
